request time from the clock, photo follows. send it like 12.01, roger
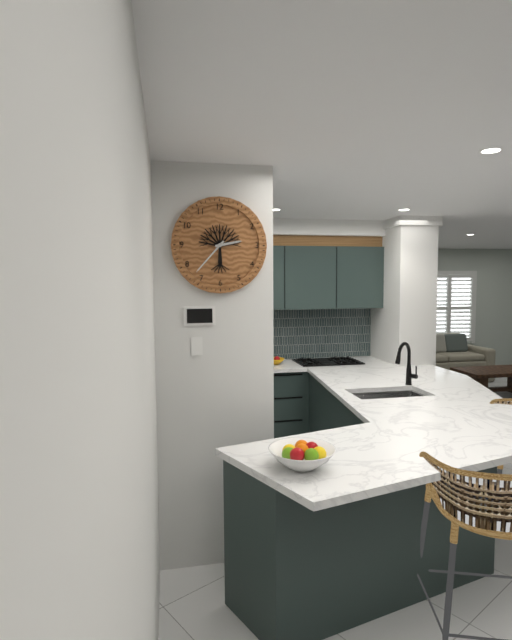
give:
2.37
